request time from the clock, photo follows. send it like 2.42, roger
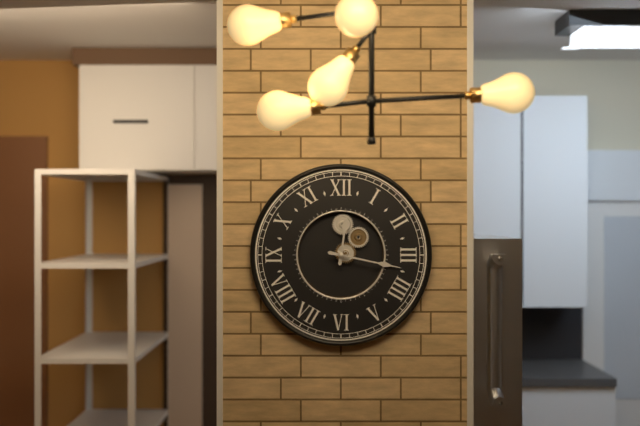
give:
12.17
